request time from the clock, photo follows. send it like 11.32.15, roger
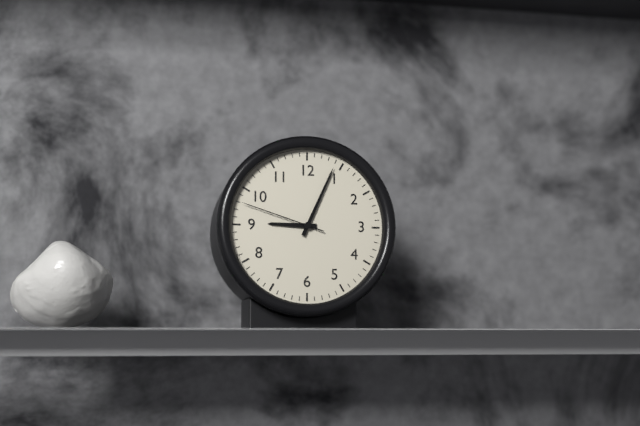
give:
9.04.48
